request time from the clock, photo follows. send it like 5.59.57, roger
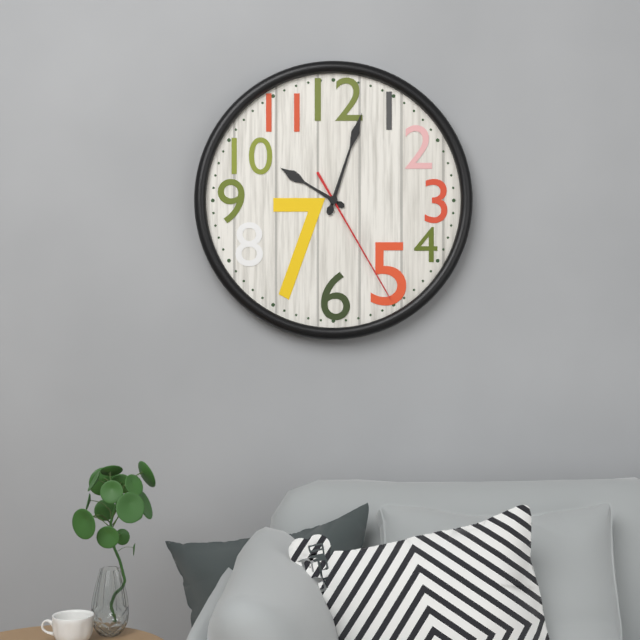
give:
10.03.25
